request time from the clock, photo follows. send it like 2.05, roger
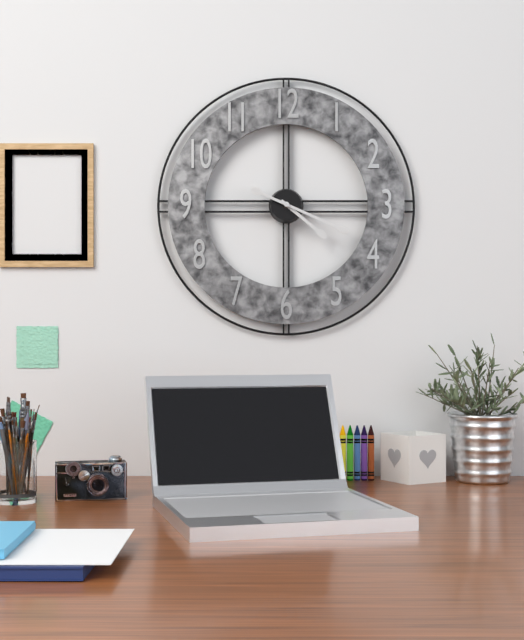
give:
4.19
